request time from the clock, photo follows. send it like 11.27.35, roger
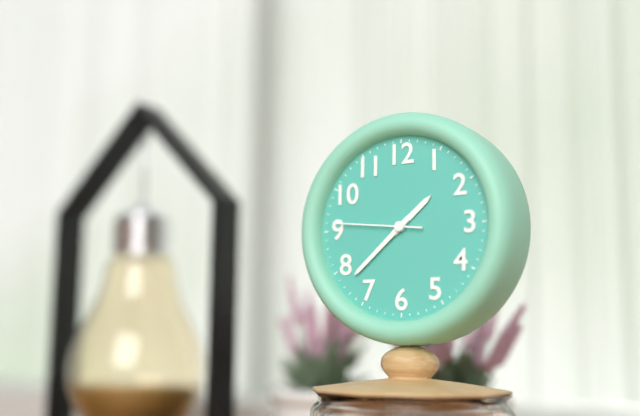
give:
1.38.46
